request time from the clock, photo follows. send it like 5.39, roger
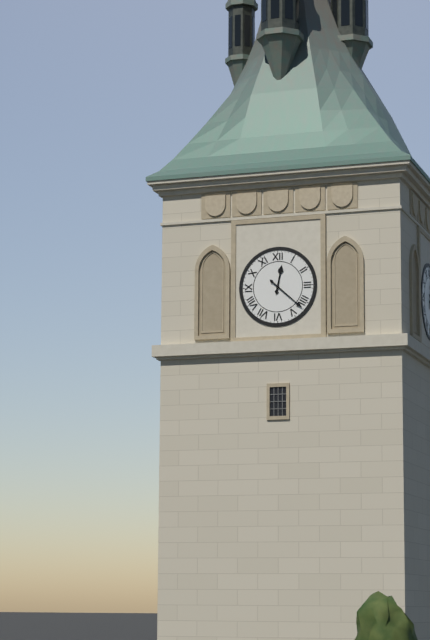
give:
12.22
